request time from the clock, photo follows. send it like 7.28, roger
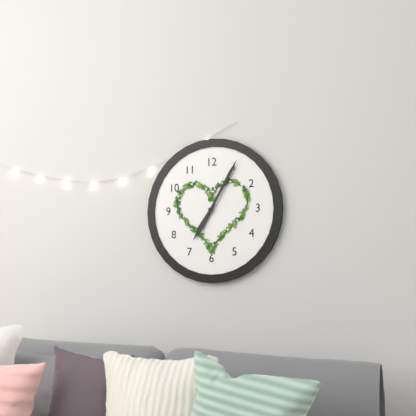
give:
7.05
